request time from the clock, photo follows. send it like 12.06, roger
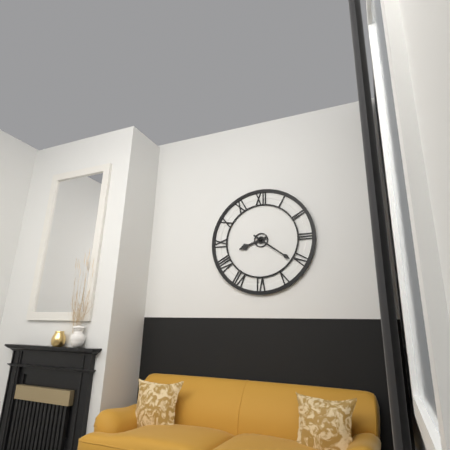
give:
8.21
